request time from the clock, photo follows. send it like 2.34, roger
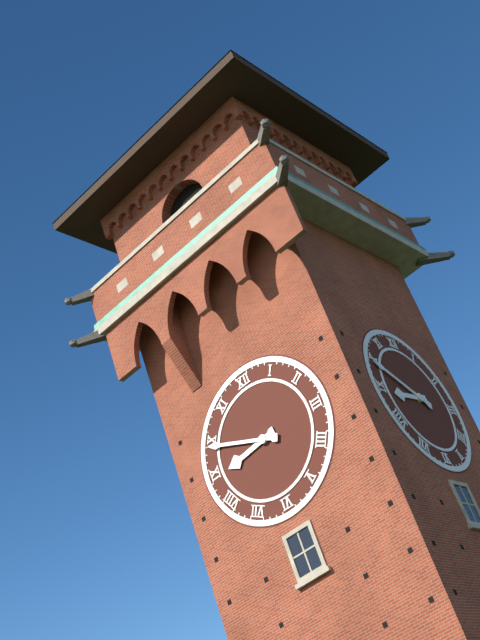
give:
8.49
